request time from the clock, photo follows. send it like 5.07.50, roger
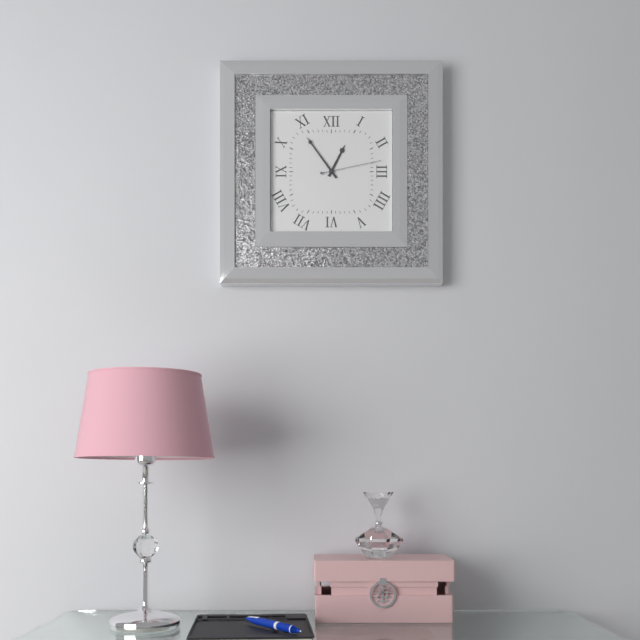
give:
12.54.13
